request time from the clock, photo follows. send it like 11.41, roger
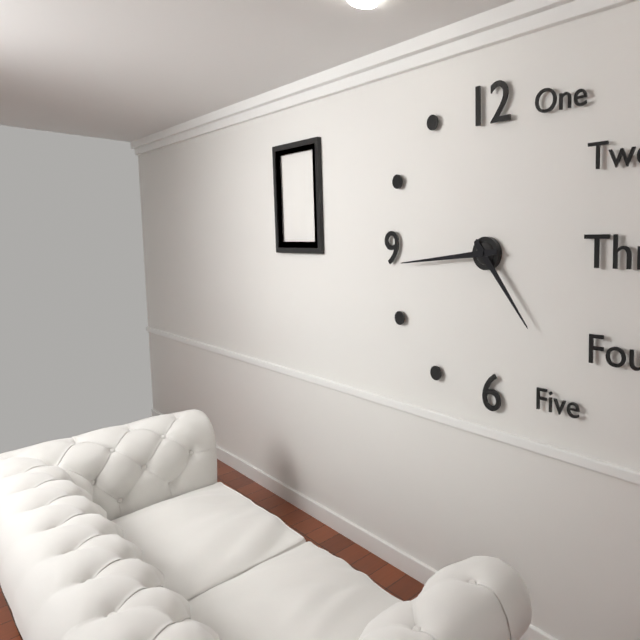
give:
4.44
